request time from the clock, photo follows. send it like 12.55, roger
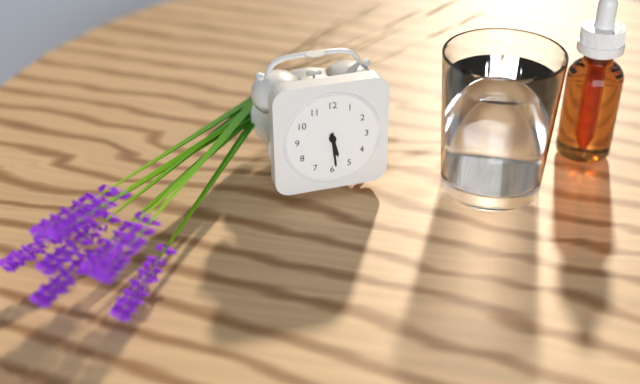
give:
5.29
